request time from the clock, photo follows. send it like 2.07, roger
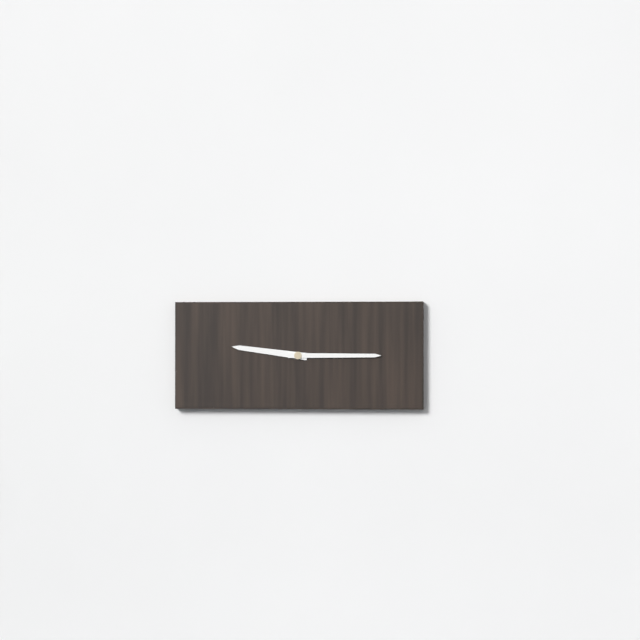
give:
9.15
